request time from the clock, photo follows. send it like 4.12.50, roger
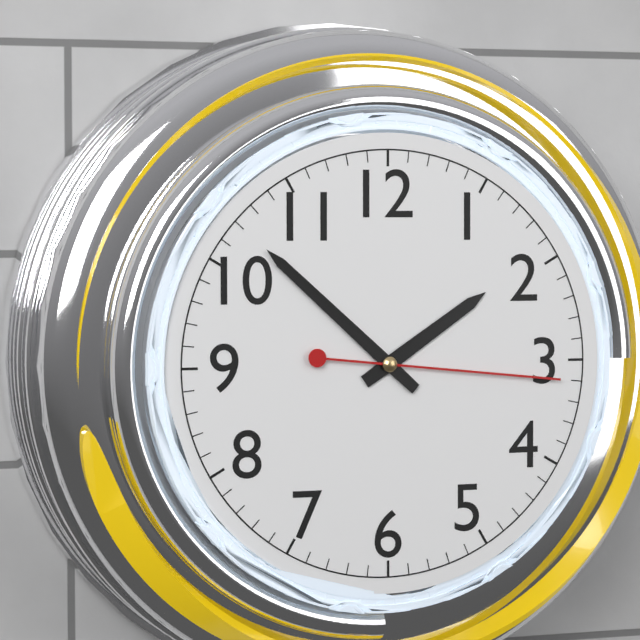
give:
1.52.16
